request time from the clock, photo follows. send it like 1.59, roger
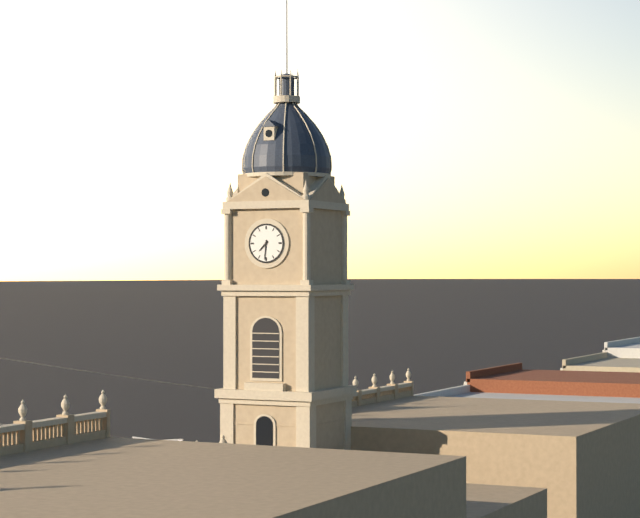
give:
7.31
